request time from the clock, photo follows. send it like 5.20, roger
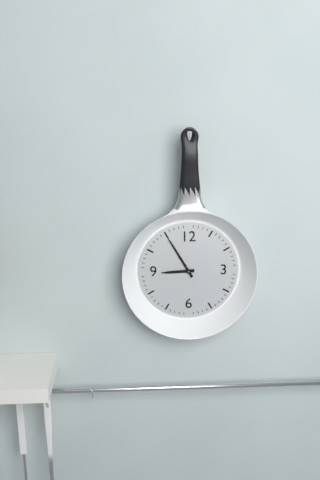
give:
8.55
